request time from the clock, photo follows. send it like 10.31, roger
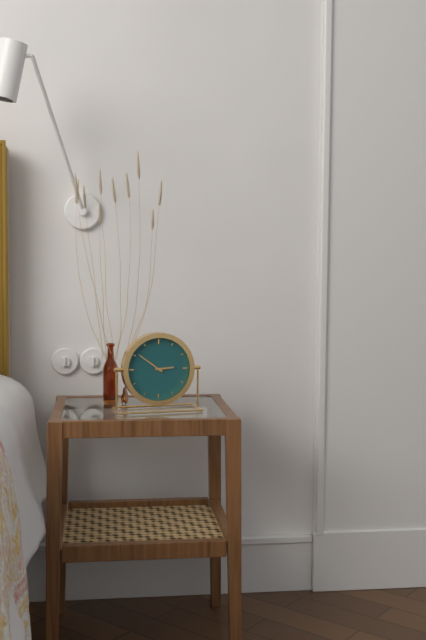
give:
2.51
